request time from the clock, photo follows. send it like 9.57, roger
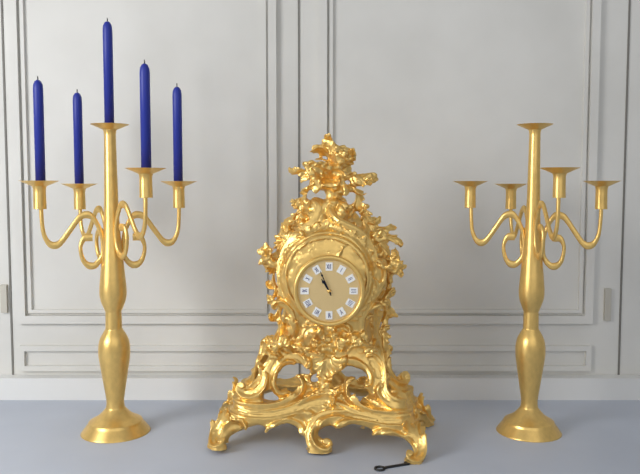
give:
10.56
